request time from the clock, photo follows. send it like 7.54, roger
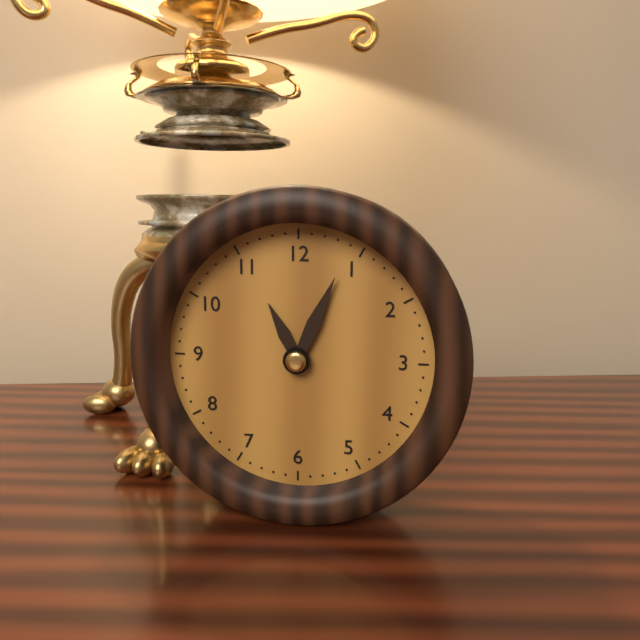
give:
11.04
